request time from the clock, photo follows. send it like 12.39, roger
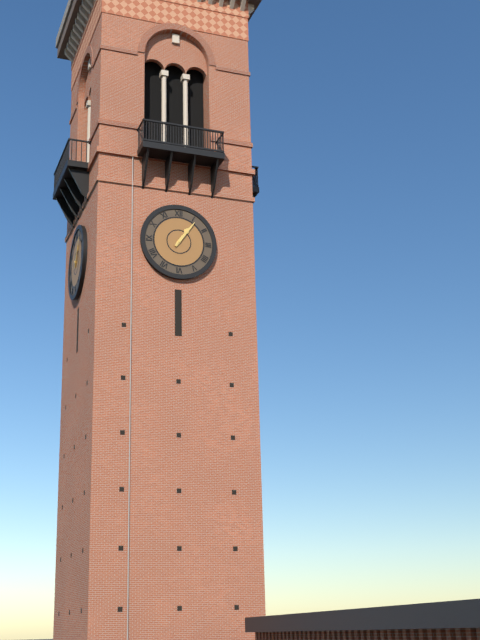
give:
1.06
